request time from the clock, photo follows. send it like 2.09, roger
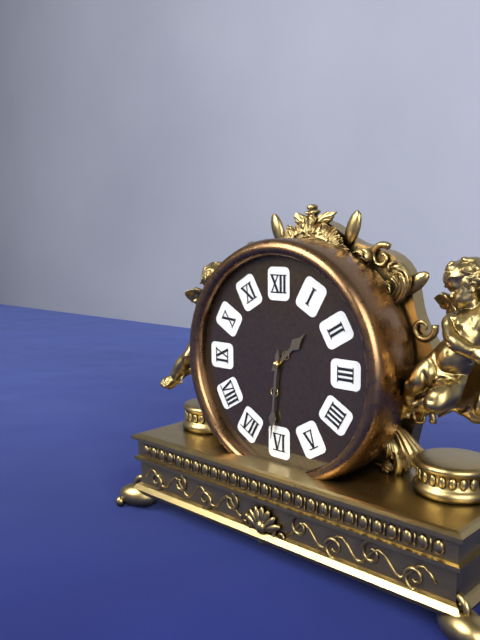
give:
1.31
